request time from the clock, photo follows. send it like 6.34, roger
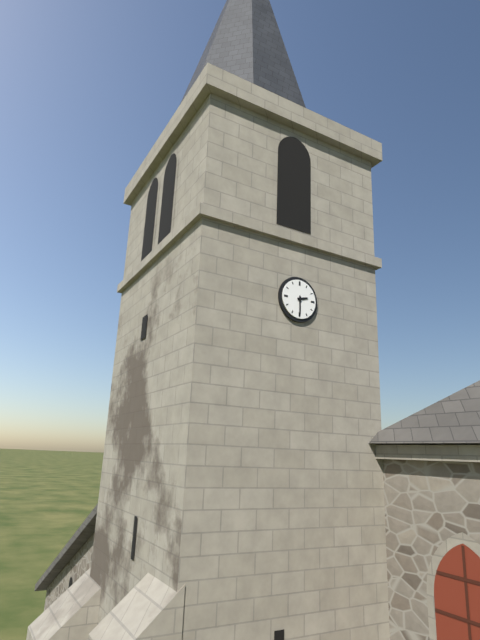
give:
2.30
